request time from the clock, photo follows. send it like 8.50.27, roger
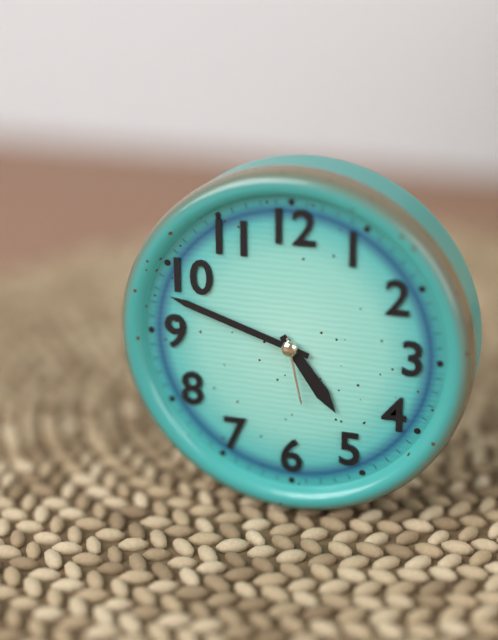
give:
4.48.28
